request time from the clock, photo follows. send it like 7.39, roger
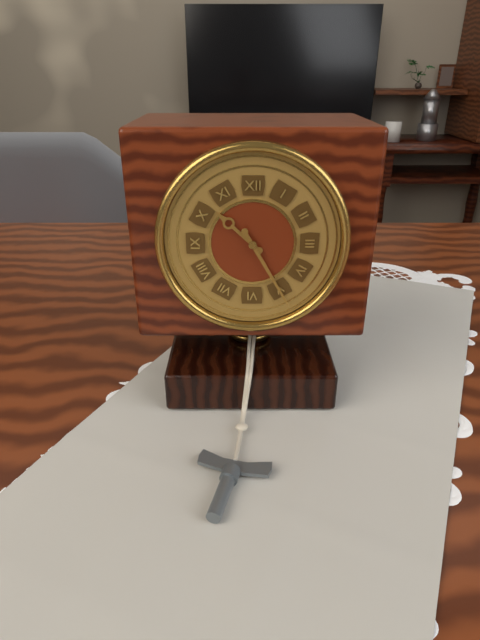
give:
10.25
